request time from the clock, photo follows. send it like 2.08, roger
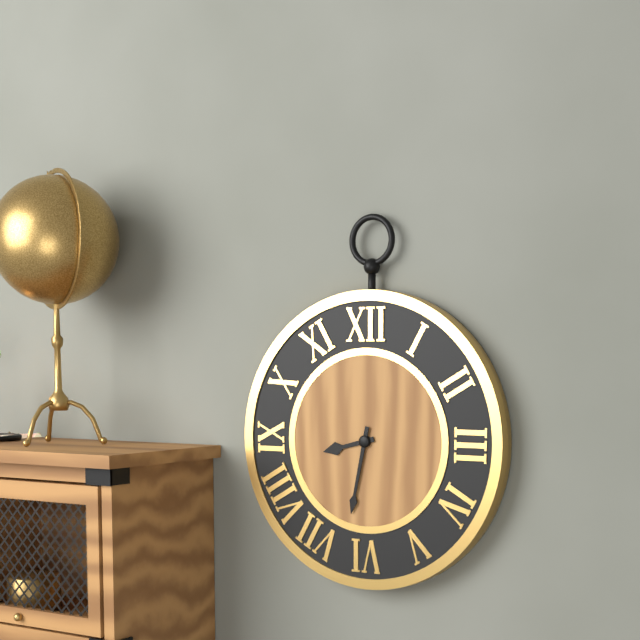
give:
8.32
